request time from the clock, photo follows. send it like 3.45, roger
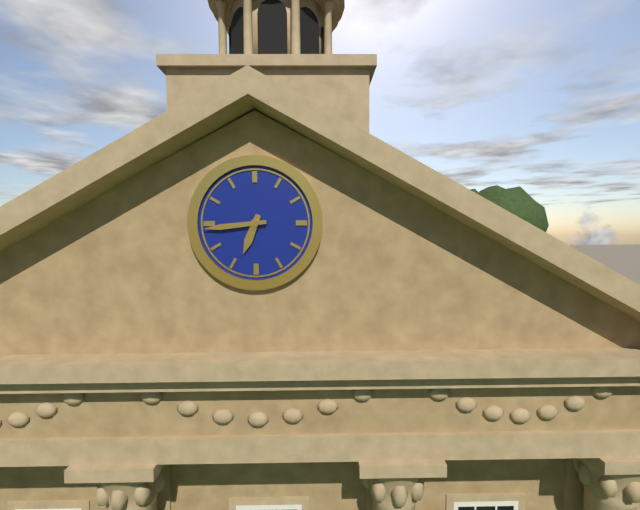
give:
6.44
